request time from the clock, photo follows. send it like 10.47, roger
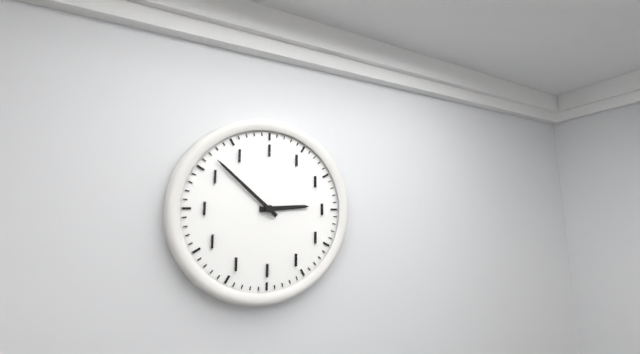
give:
2.52
